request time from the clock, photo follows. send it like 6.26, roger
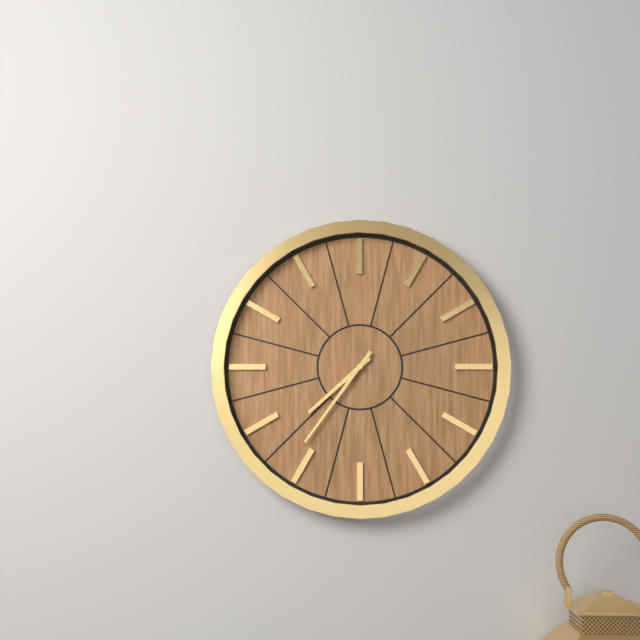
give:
7.36
